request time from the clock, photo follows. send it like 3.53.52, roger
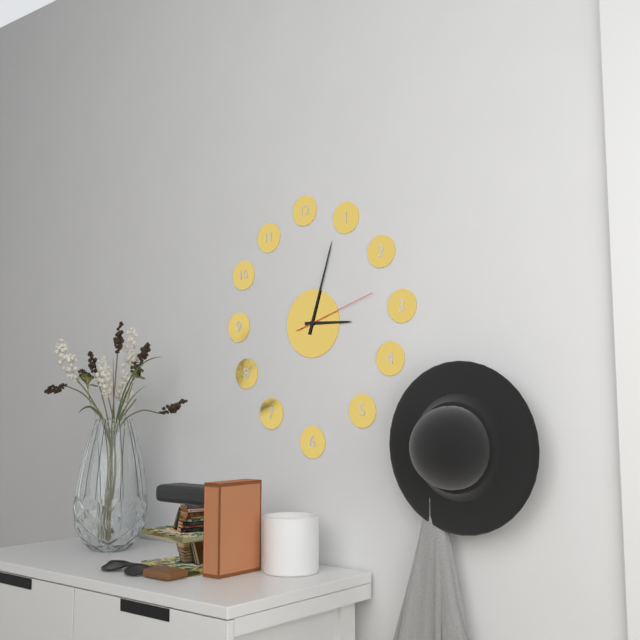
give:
3.03.12
